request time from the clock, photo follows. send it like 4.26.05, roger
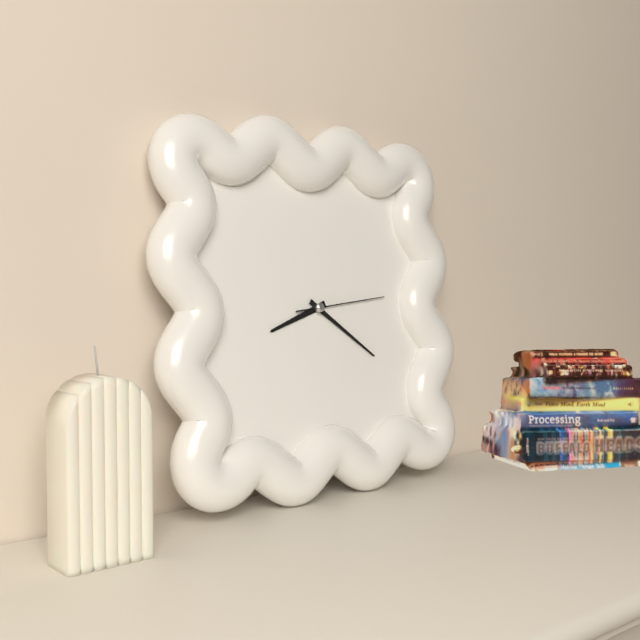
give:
8.21.14
